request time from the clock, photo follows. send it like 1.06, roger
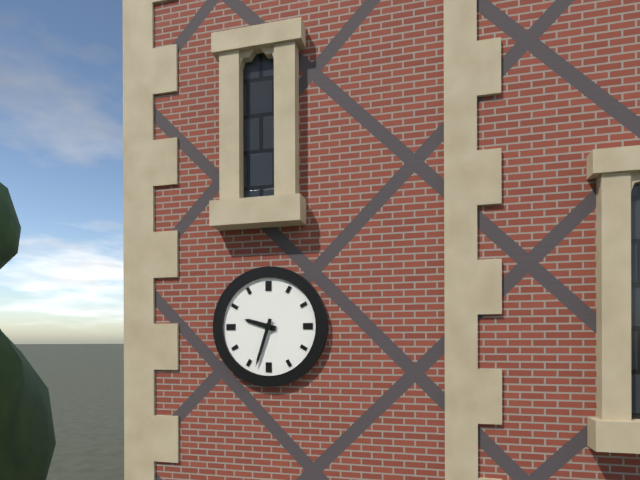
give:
9.33
